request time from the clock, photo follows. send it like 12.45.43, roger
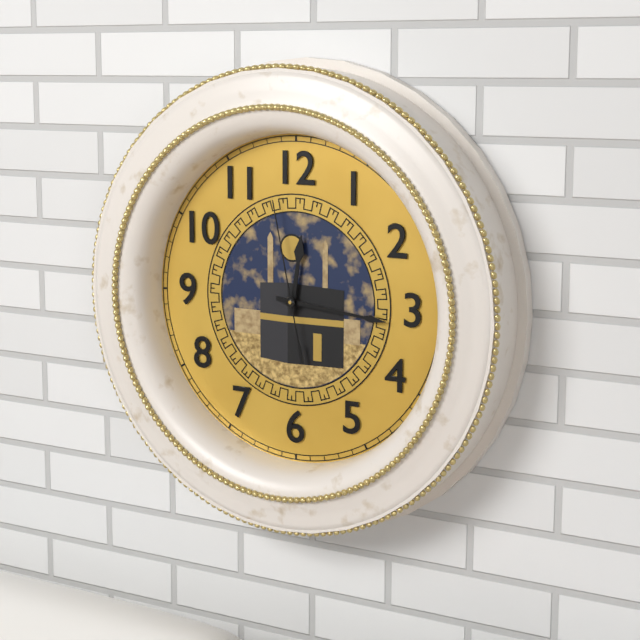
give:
12.16.58
